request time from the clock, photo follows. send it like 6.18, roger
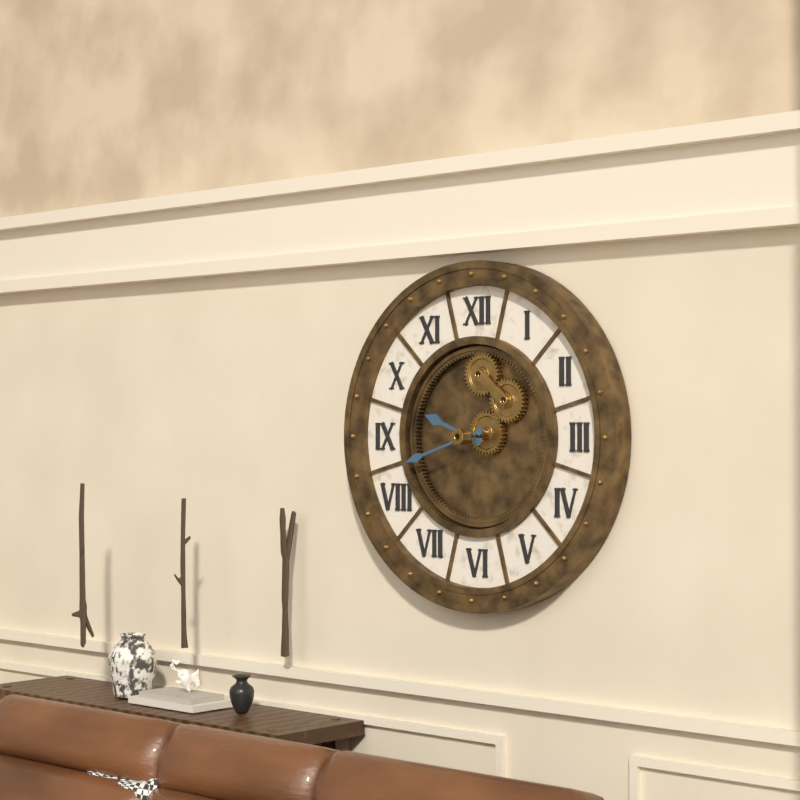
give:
9.42
